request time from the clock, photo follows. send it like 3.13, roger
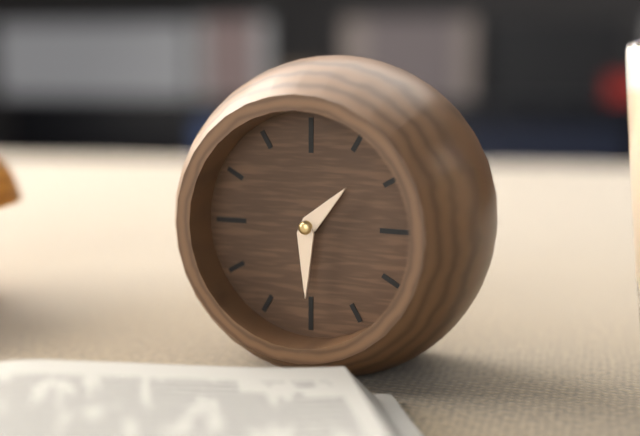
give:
1.30
